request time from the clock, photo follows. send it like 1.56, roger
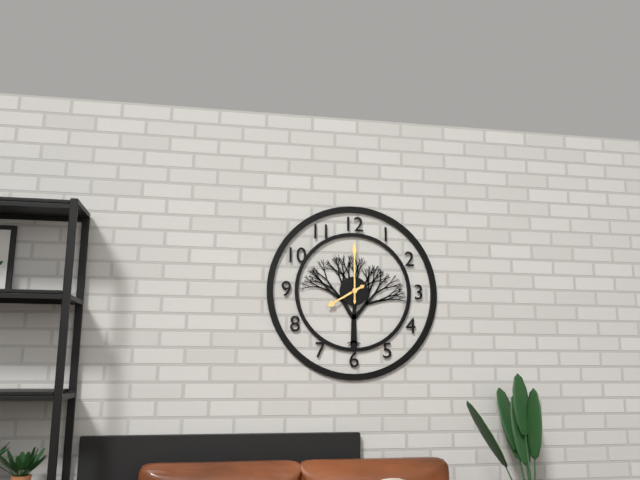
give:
8.00
